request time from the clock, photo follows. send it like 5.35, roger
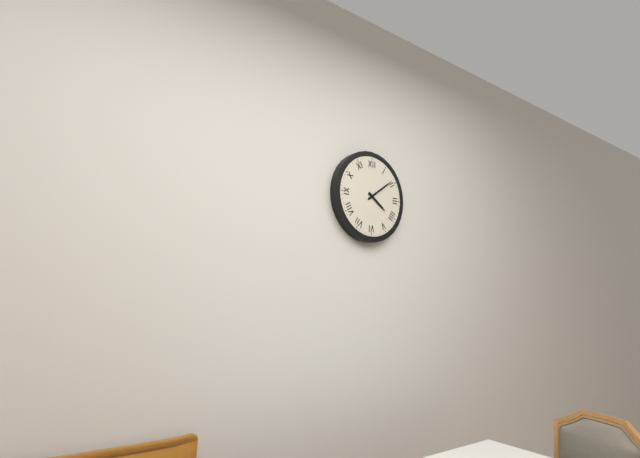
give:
4.09
